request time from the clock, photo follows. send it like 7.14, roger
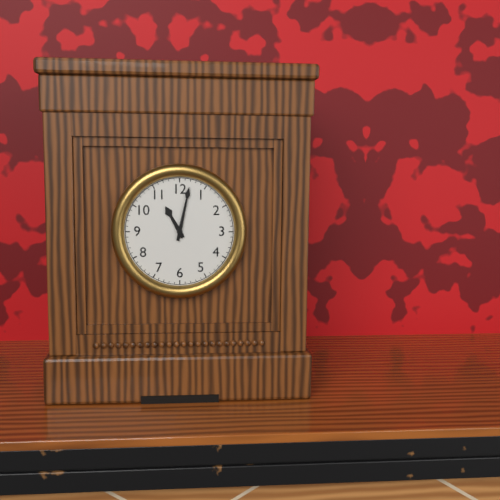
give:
11.02
